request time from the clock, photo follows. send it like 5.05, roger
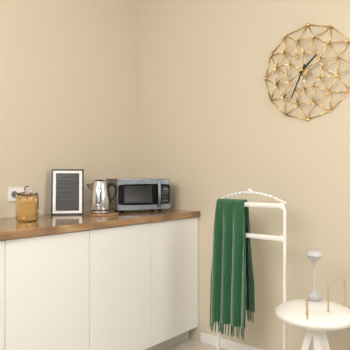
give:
1.34
